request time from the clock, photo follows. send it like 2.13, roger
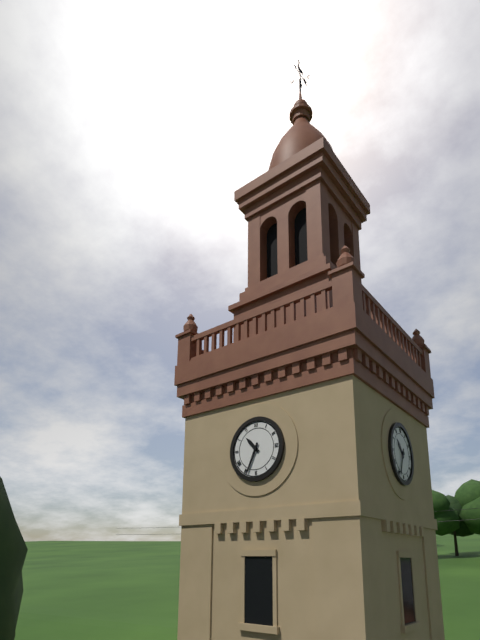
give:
10.34
